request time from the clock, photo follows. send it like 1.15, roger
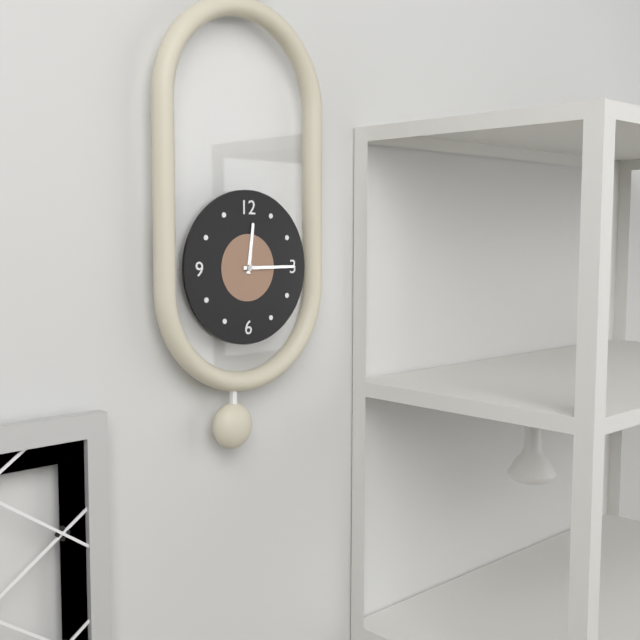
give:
12.15
